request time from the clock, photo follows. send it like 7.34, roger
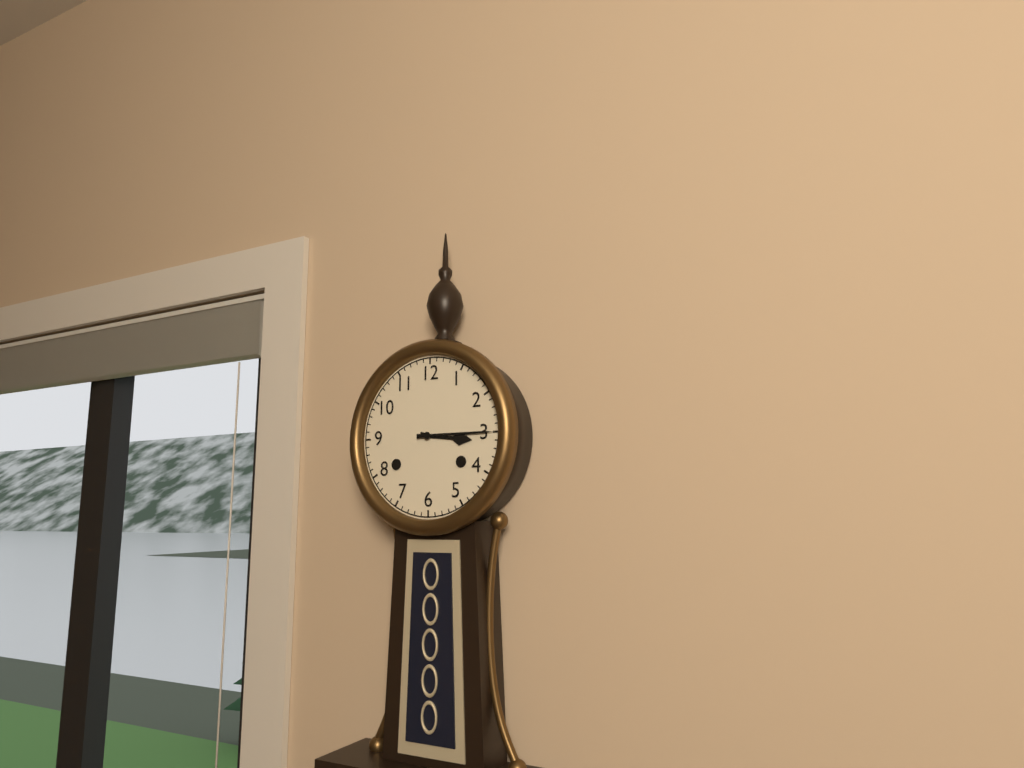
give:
3.15
